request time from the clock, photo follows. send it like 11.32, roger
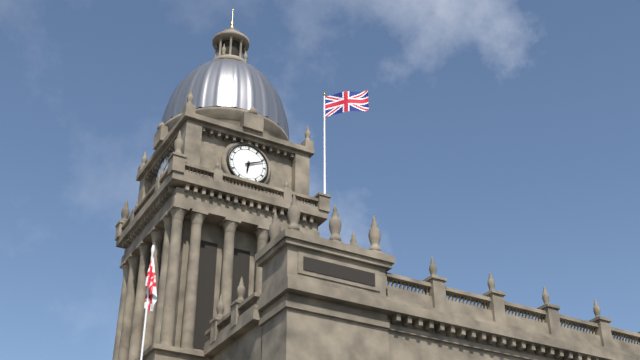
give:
6.11
